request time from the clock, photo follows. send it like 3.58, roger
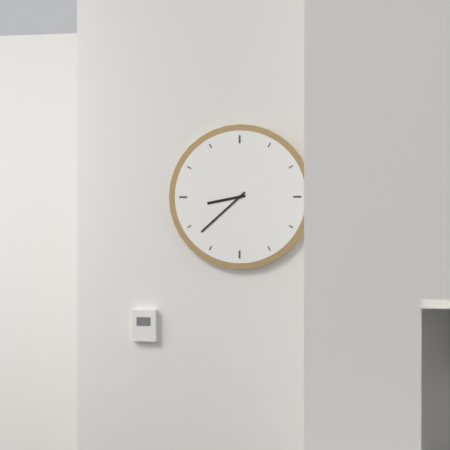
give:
8.38
